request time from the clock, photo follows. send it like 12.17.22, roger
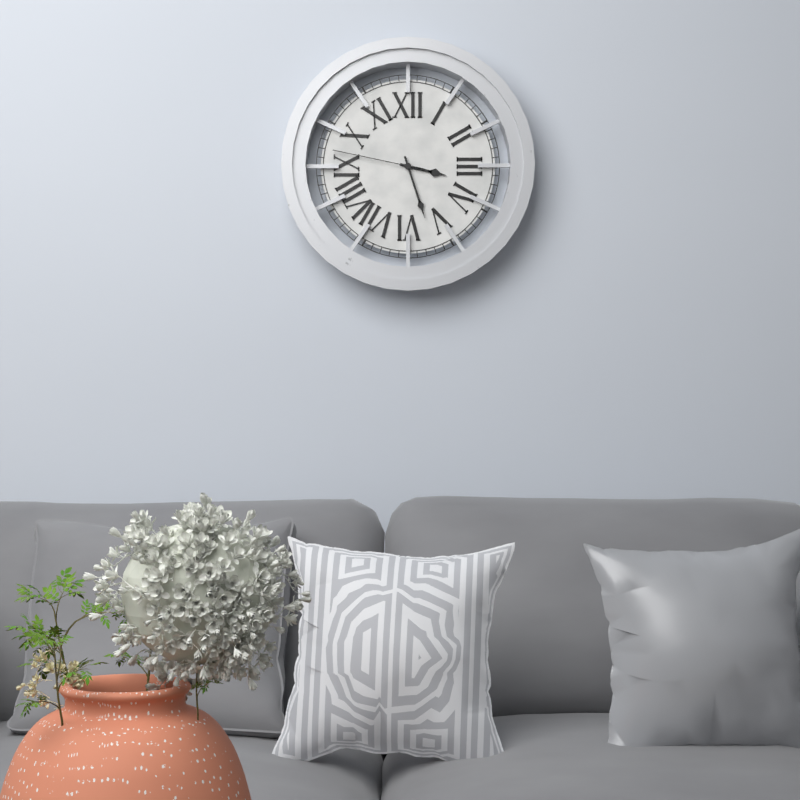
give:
3.27.47
